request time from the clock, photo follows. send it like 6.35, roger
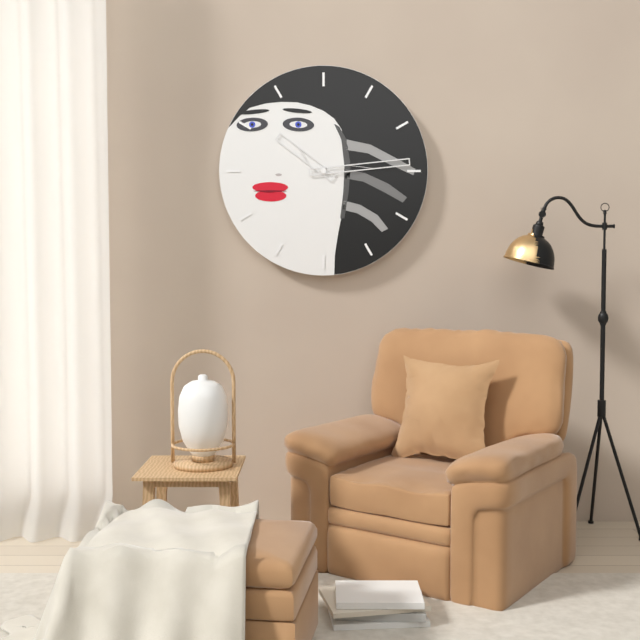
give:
10.14
